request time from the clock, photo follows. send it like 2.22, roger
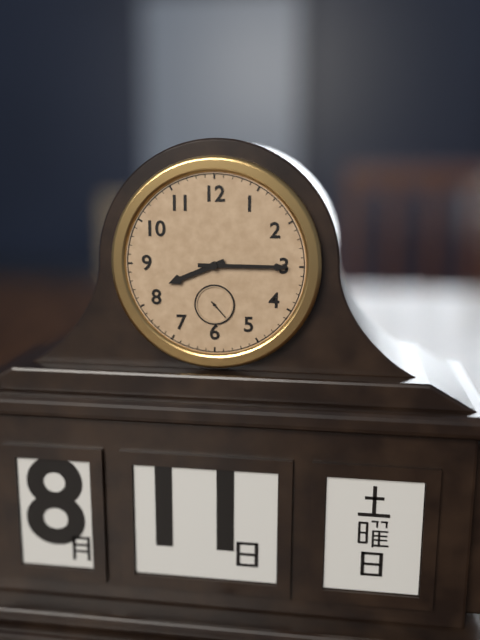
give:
8.15
